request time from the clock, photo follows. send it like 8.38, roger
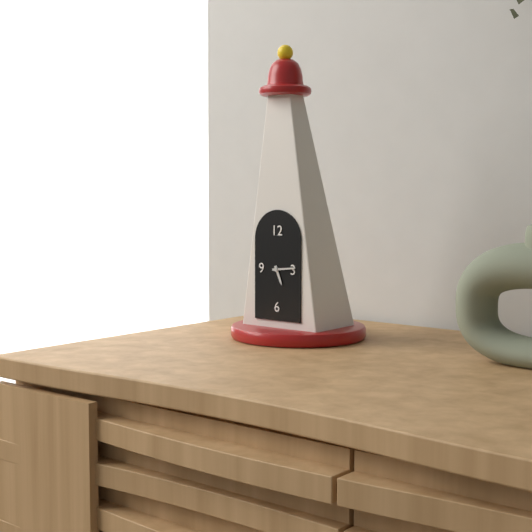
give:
5.14
